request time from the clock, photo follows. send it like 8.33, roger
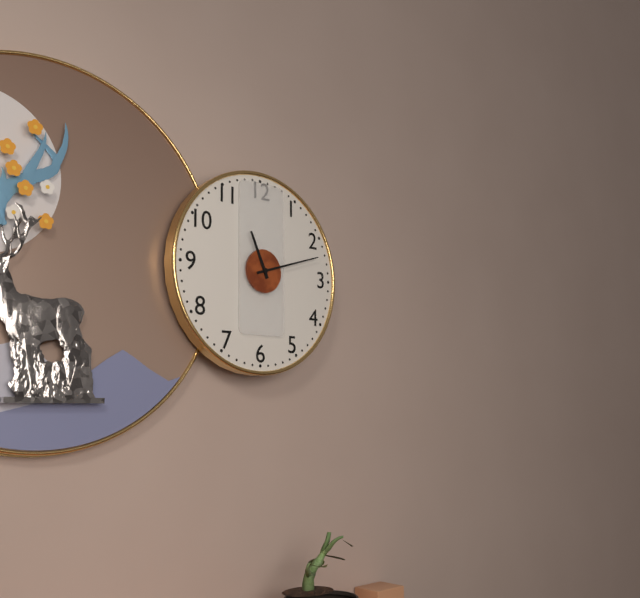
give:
11.12
